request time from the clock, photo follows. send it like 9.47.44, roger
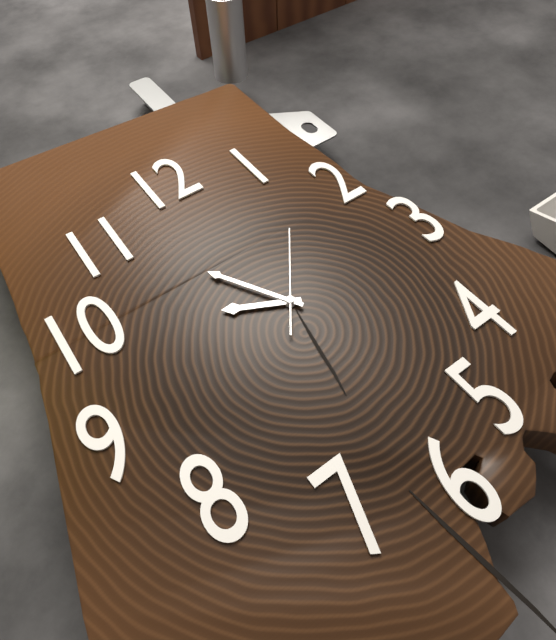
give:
9.55.06
